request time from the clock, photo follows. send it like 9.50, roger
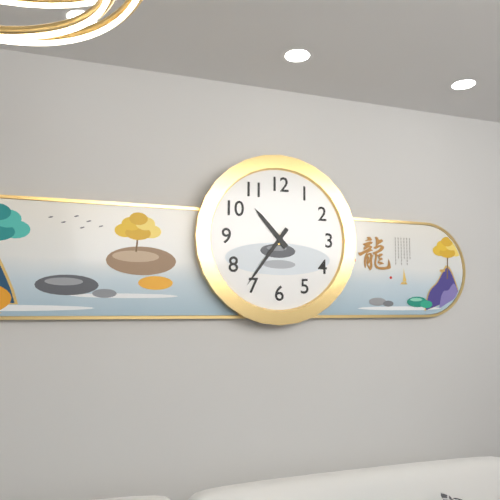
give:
10.36
